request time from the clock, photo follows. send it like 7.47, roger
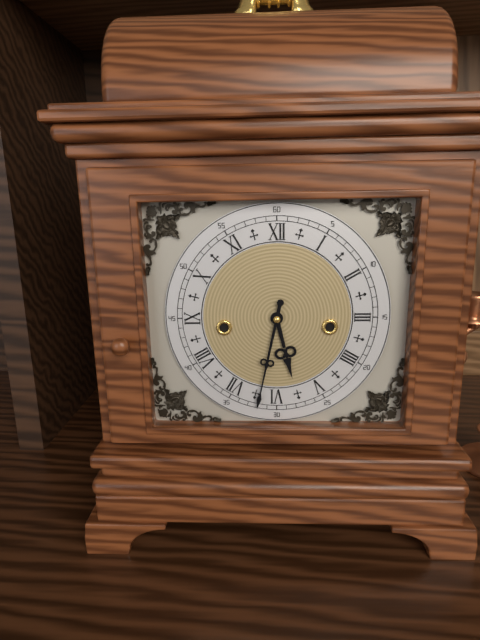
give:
5.32
